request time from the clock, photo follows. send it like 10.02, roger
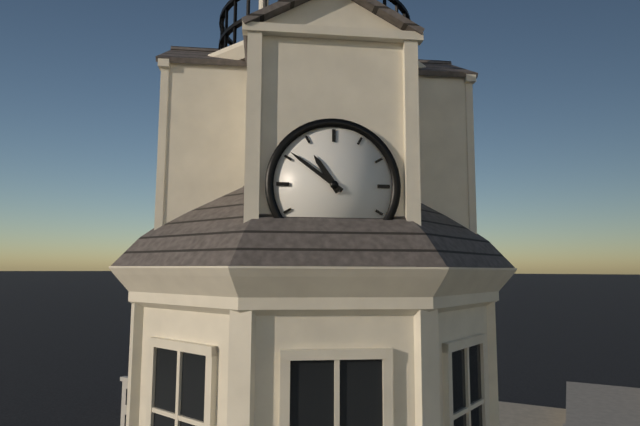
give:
10.51
